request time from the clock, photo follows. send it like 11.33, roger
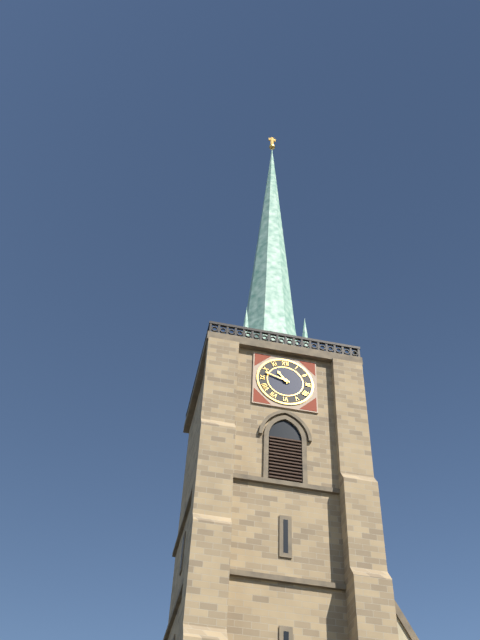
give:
10.48
